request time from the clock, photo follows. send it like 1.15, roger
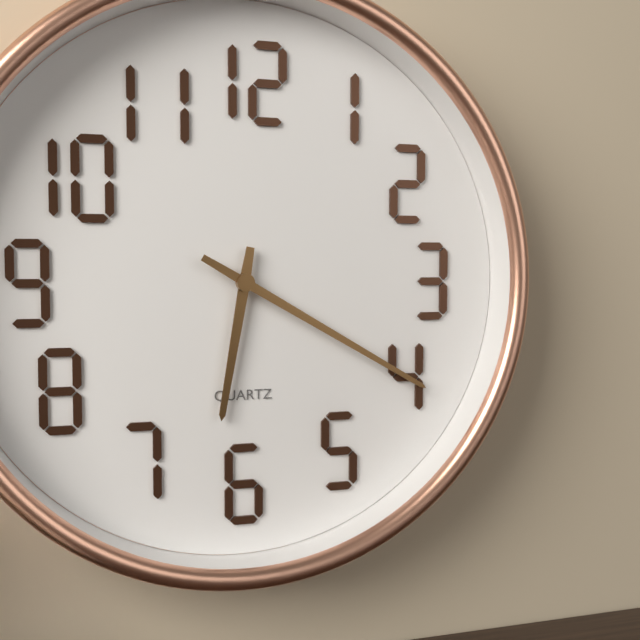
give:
6.20
